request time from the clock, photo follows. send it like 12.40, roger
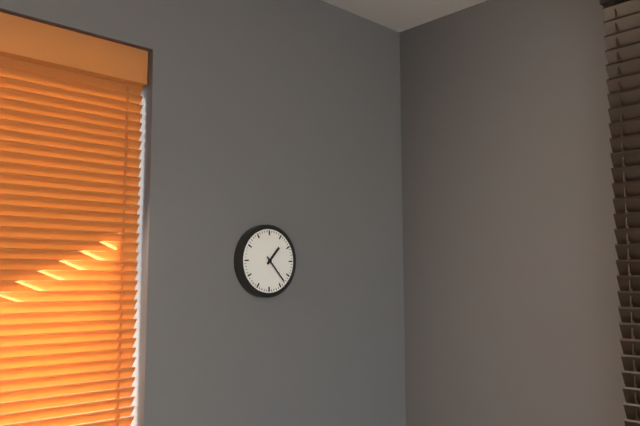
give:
1.23
